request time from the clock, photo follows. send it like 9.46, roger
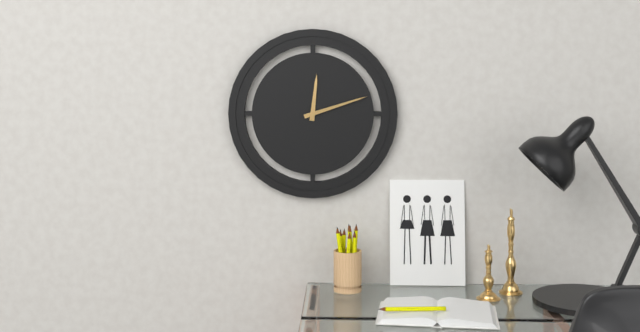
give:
12.12
